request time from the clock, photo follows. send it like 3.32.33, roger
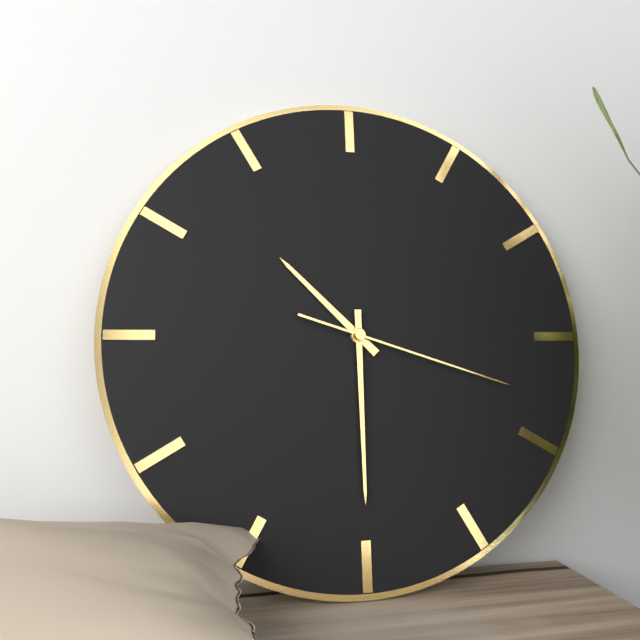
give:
10.30.18
